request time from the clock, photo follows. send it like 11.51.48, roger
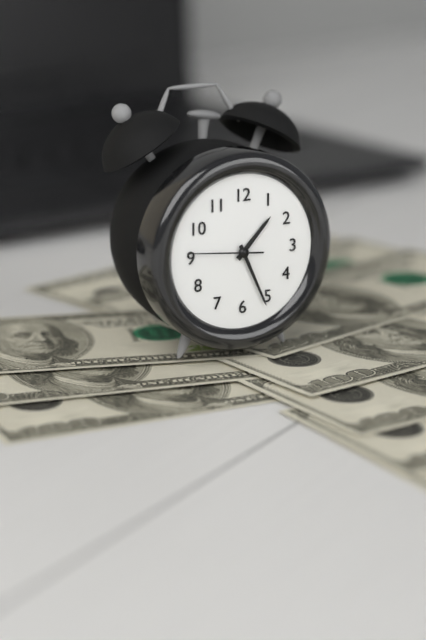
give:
1.26.46
